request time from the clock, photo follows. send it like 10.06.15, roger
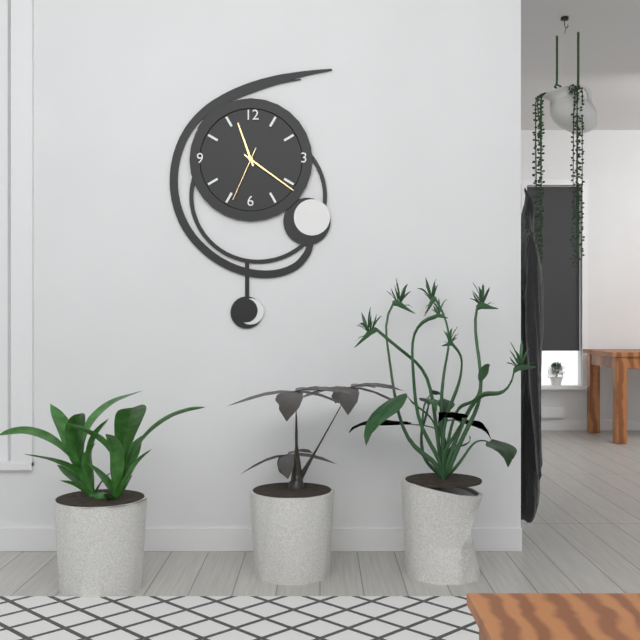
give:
11.21.34
